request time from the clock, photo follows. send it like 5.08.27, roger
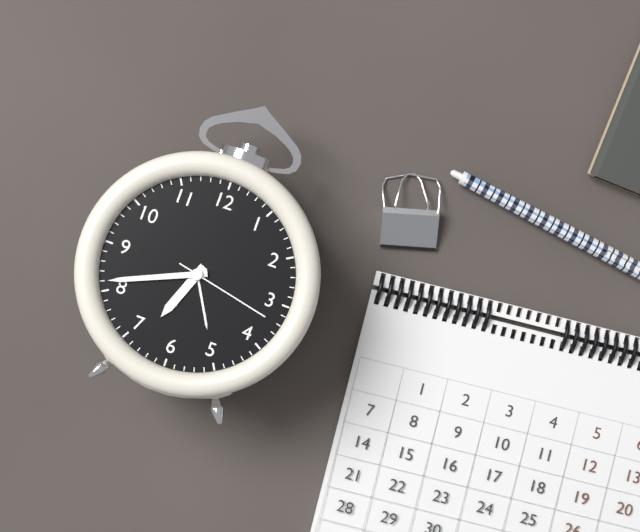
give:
6.41.17
